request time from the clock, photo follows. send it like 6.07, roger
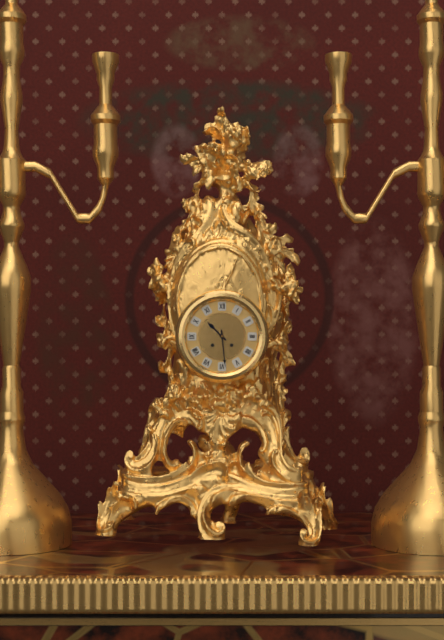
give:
10.29
